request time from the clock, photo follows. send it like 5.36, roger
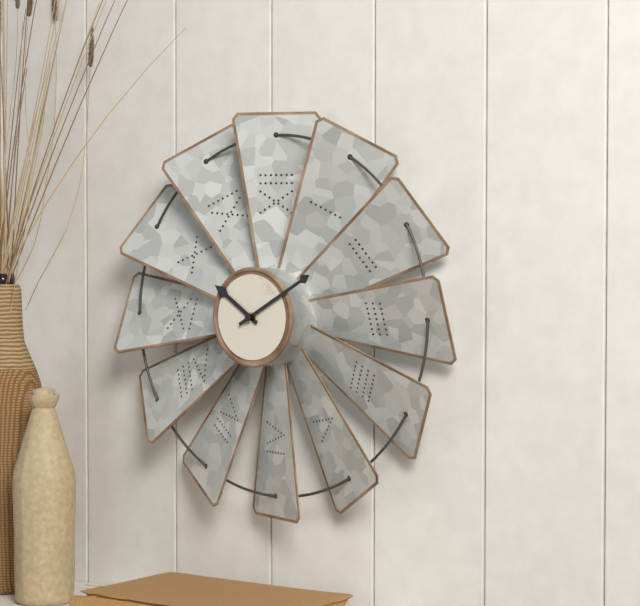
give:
10.10
